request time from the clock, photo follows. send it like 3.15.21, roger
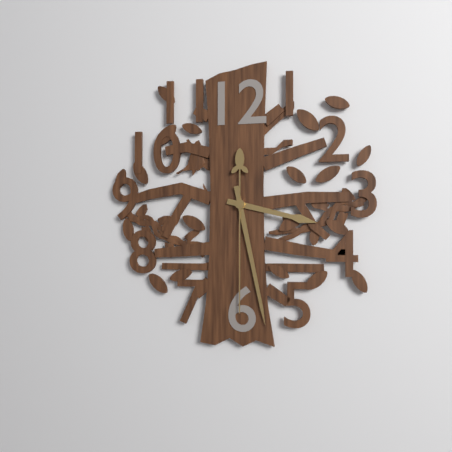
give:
3.28.30
